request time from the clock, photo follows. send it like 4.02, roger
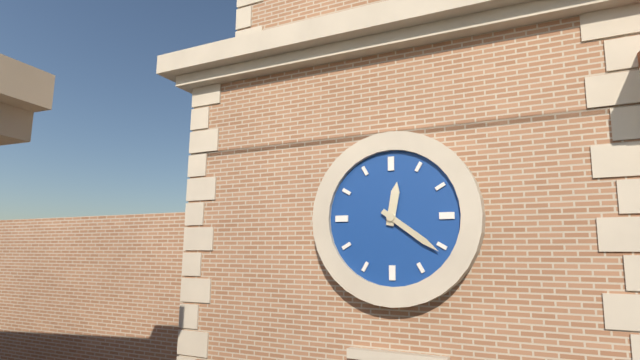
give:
12.21
